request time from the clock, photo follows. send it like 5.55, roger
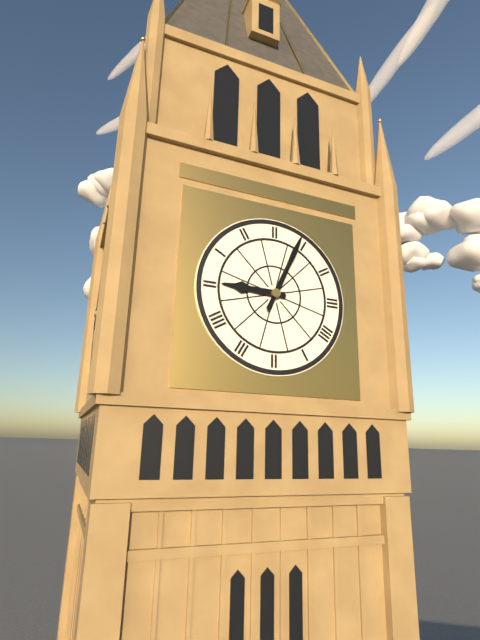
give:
9.04
